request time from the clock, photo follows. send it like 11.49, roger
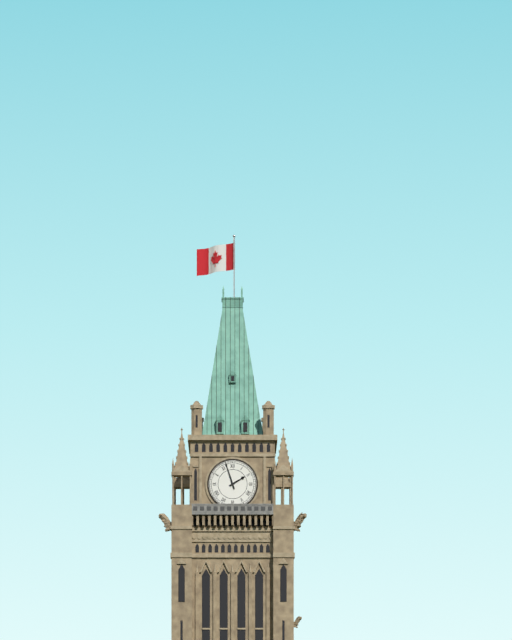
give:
1.57
